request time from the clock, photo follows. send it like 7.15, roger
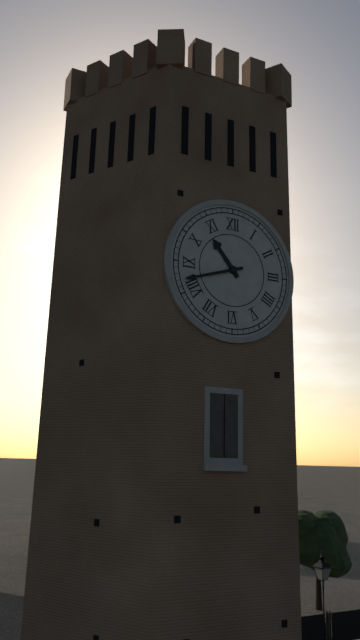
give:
10.42
